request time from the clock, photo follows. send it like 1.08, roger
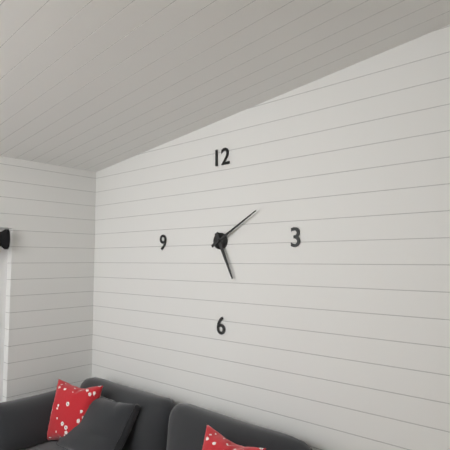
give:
5.10
